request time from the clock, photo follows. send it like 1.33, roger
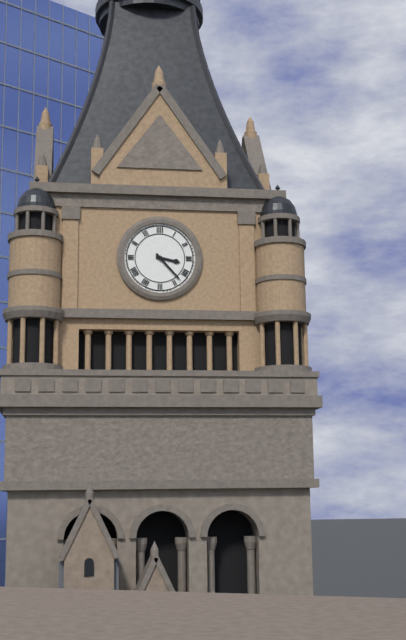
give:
3.23
